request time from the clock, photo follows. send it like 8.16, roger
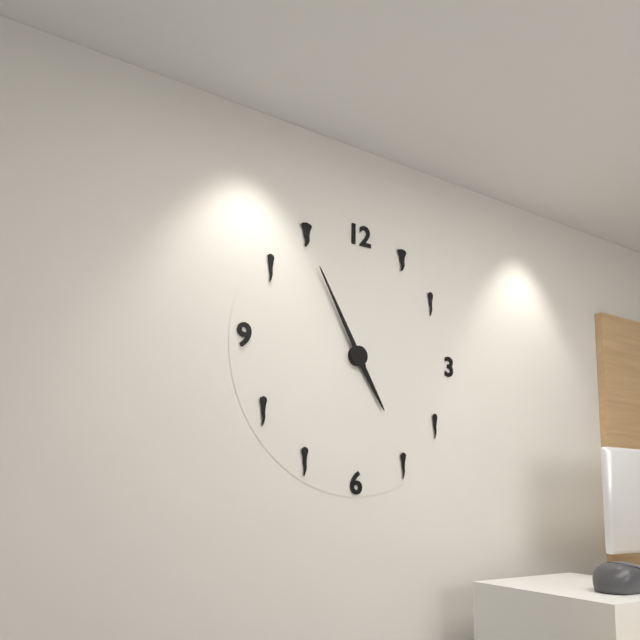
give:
4.55
